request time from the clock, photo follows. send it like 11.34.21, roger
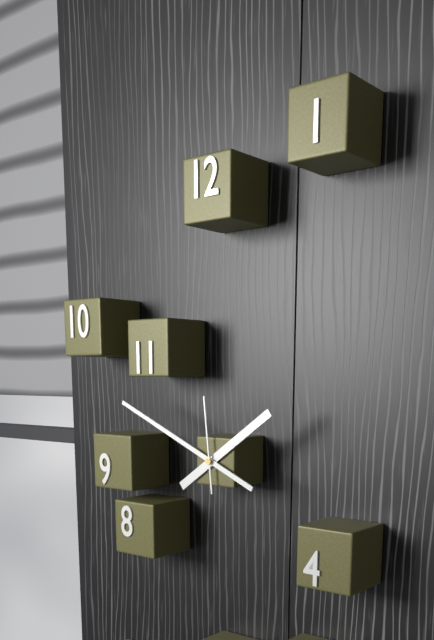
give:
1.49.59
